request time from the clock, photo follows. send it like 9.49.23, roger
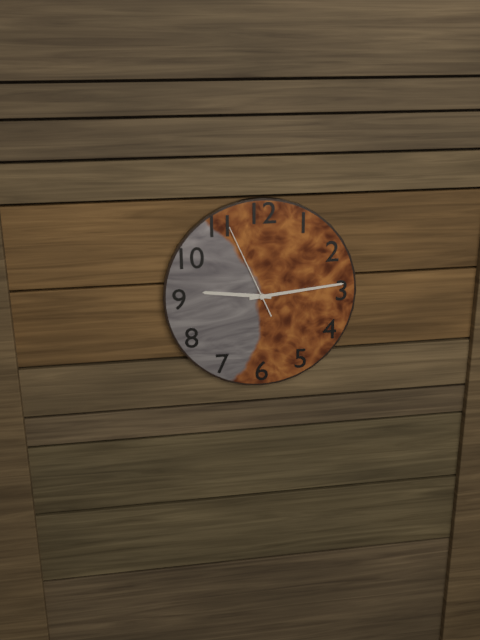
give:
9.14.56
